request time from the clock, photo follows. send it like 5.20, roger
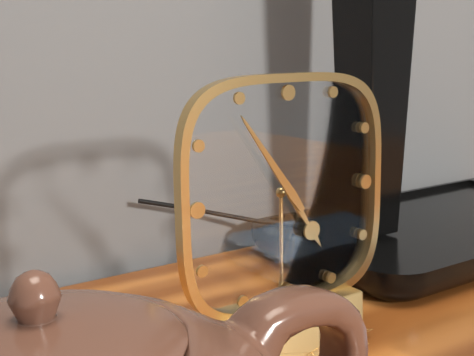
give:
4.54
